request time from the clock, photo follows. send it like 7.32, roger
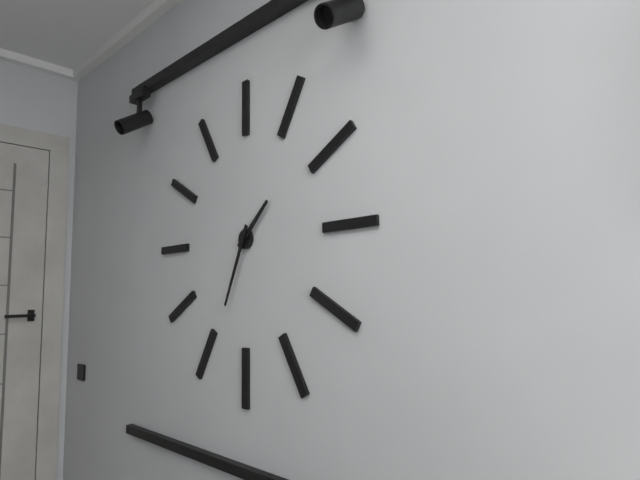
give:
1.34
